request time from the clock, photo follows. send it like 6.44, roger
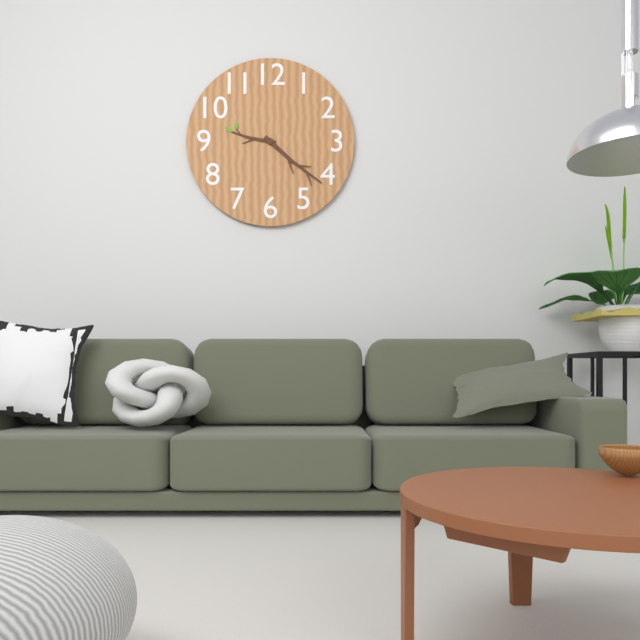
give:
9.22
